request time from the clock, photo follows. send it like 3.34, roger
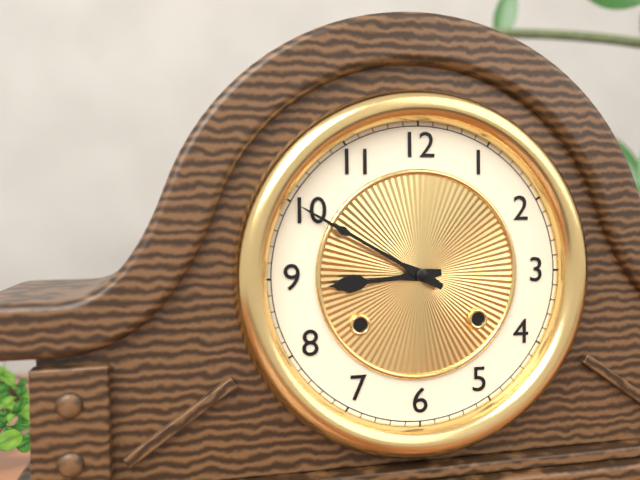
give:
8.50
